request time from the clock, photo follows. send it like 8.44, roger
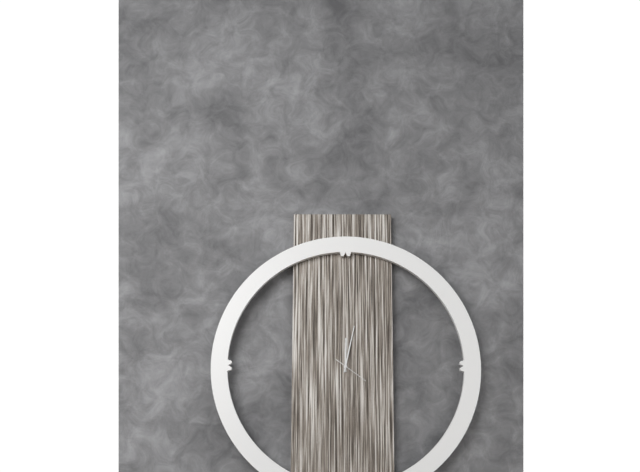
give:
12.02
